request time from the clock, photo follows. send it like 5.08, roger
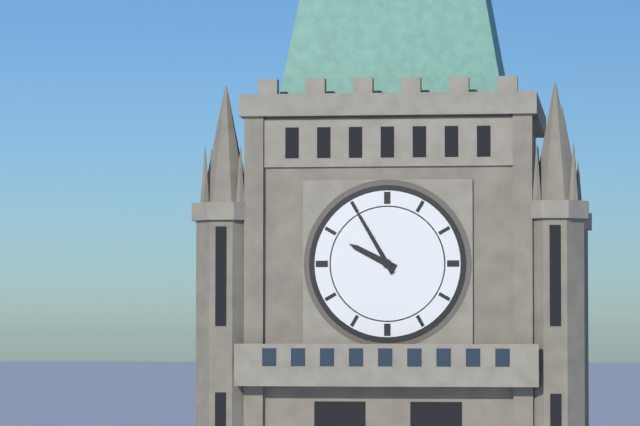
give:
9.55
